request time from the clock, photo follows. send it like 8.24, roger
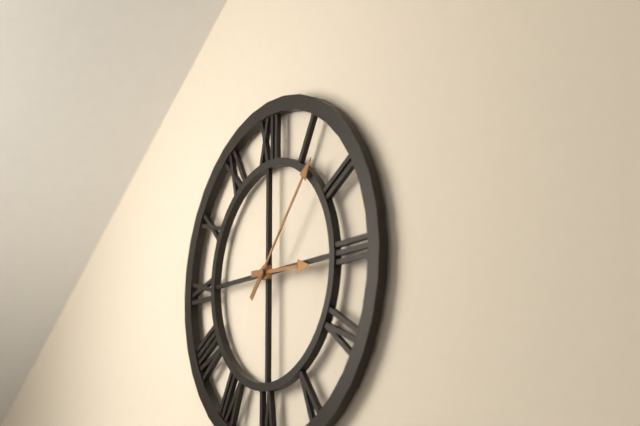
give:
3.07
